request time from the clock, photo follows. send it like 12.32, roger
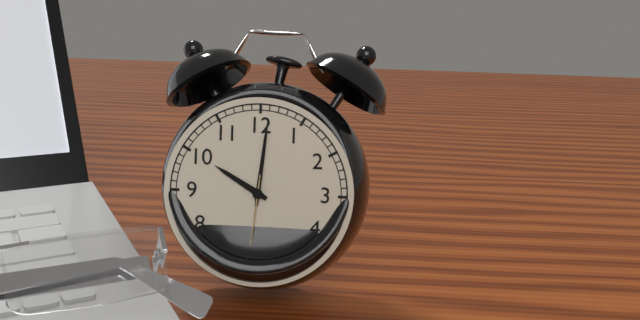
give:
10.01
